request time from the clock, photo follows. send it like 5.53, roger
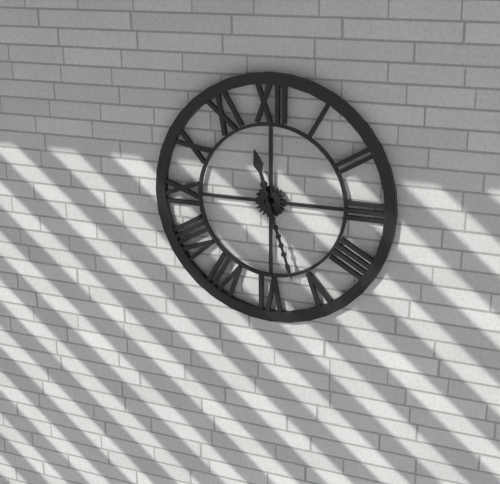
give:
11.27
